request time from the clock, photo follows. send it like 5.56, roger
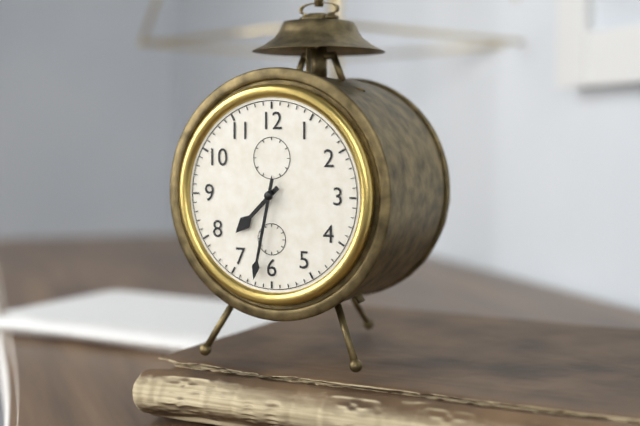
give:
7.32
